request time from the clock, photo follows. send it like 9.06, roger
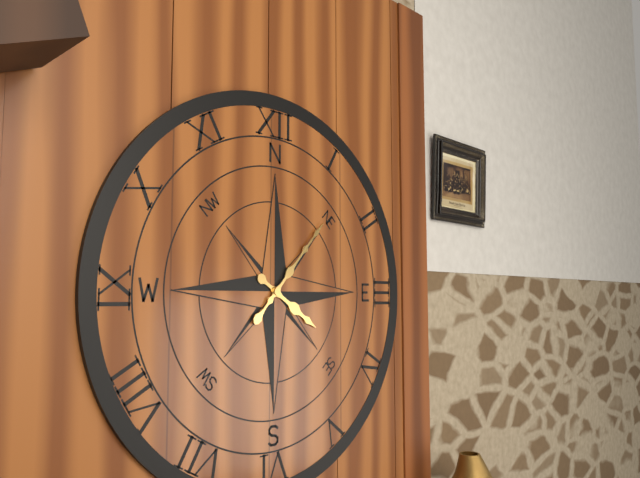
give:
4.07
